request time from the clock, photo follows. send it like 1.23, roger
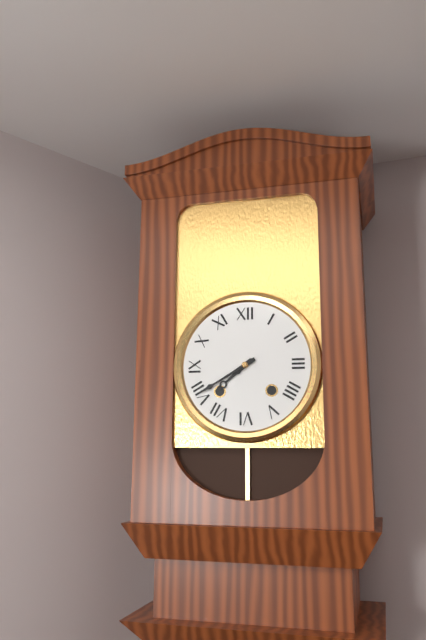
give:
7.40
